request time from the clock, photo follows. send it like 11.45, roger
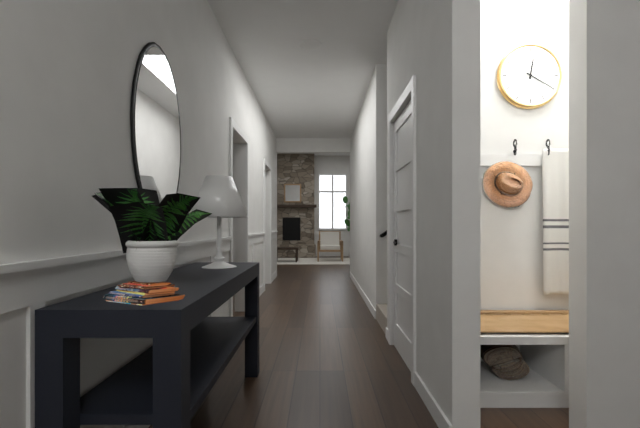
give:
12.20
